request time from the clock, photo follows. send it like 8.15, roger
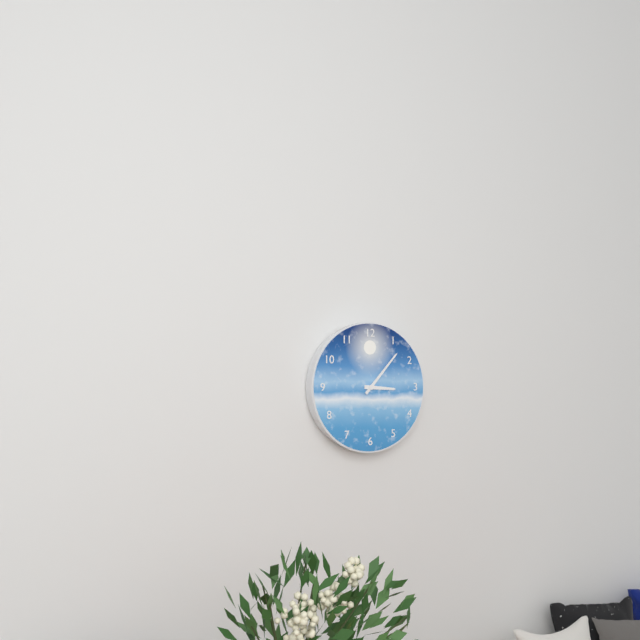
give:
3.07
